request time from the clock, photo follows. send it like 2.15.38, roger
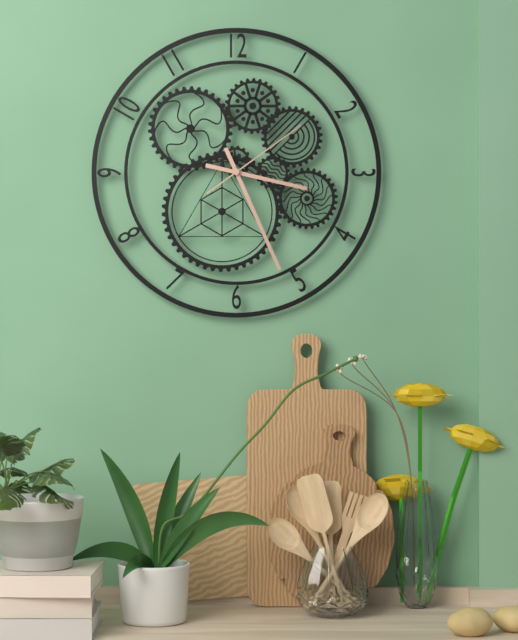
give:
3.26.09
